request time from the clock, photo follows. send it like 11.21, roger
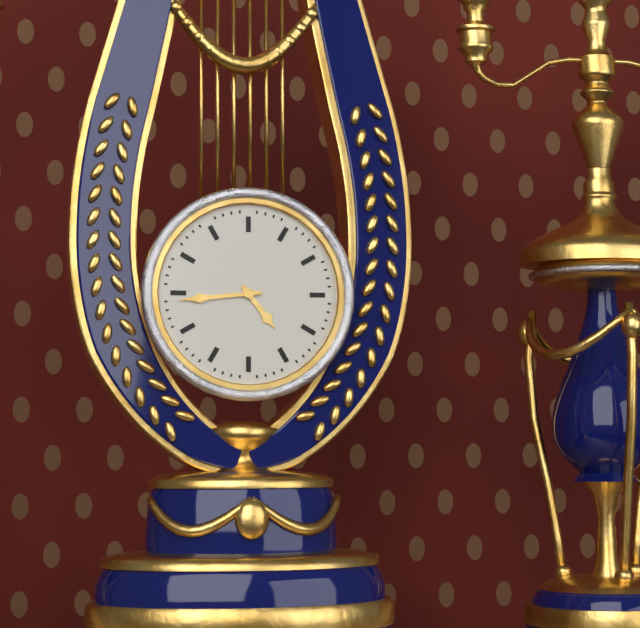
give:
4.44
